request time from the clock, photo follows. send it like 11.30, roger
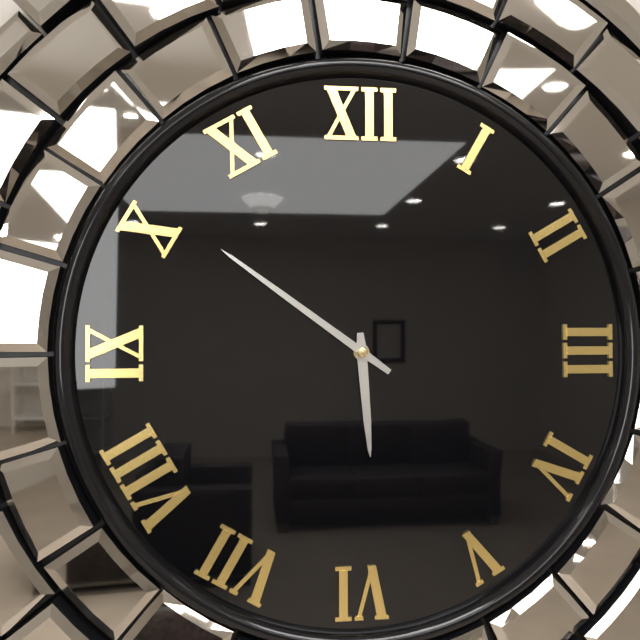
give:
5.51
